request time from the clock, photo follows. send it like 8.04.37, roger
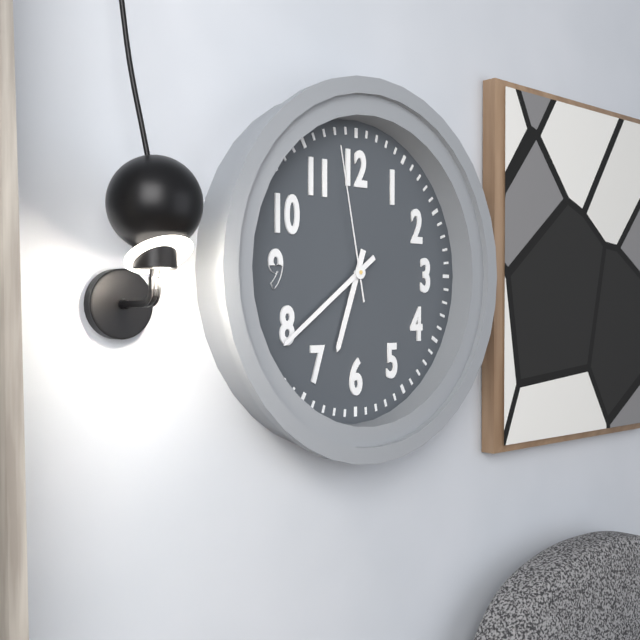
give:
6.39.58
